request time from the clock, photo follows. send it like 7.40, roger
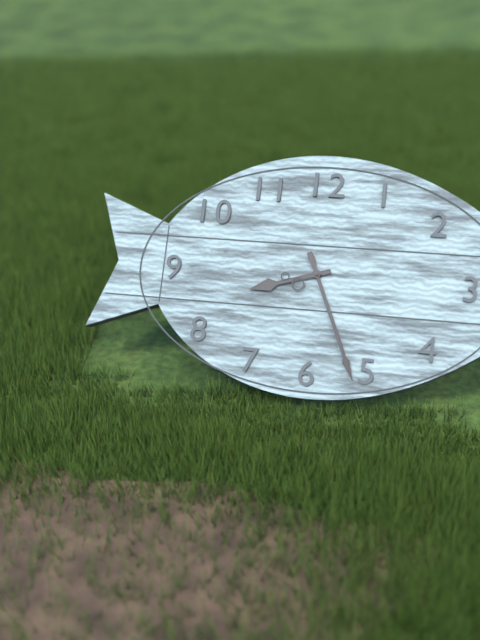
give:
8.26
